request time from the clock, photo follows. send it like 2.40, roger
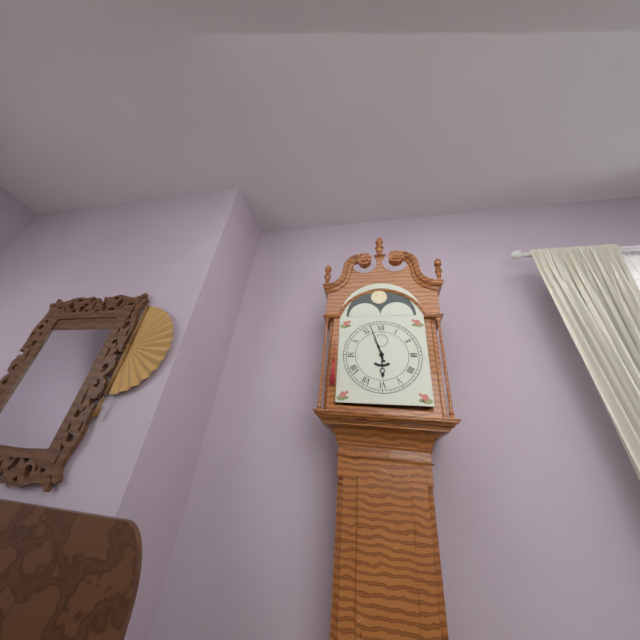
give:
5.57
